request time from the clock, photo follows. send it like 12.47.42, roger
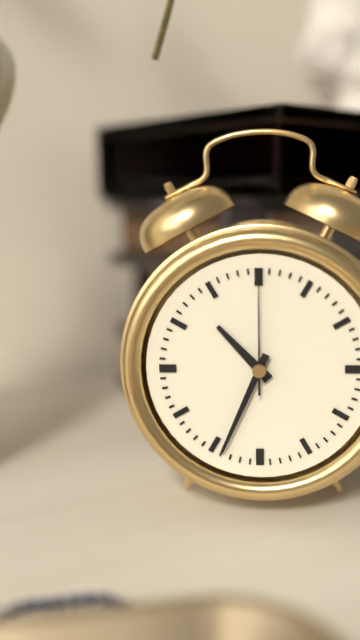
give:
10.34.00
